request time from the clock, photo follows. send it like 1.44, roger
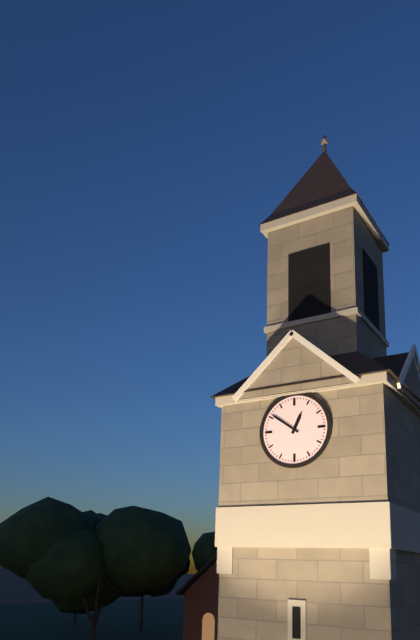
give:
12.51
